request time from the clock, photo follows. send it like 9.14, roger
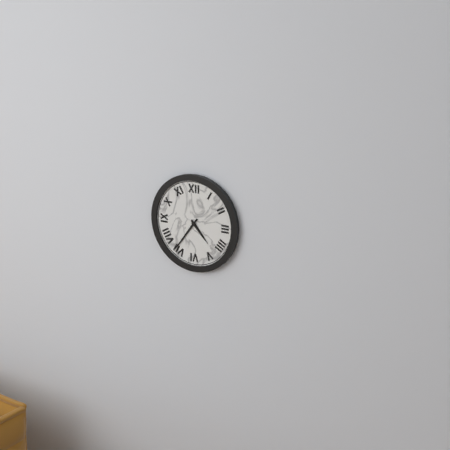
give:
4.36
